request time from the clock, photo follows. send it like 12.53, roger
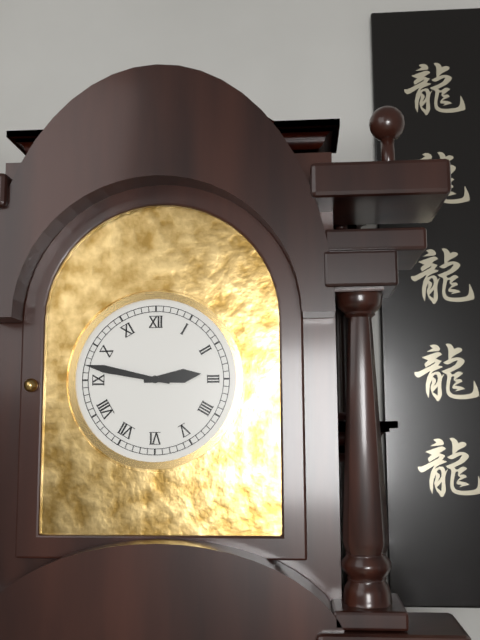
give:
2.47
